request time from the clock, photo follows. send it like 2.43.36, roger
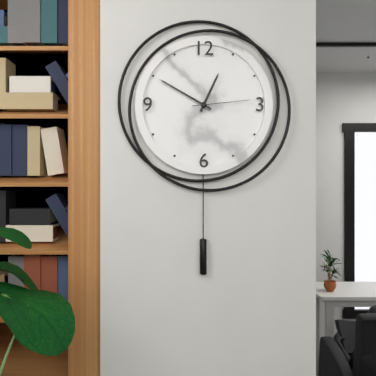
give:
12.50.14
